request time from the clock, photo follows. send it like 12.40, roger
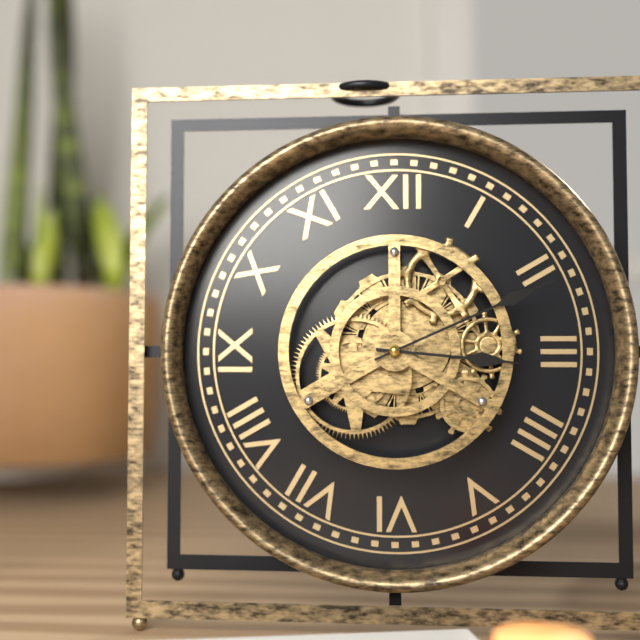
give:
3.11
